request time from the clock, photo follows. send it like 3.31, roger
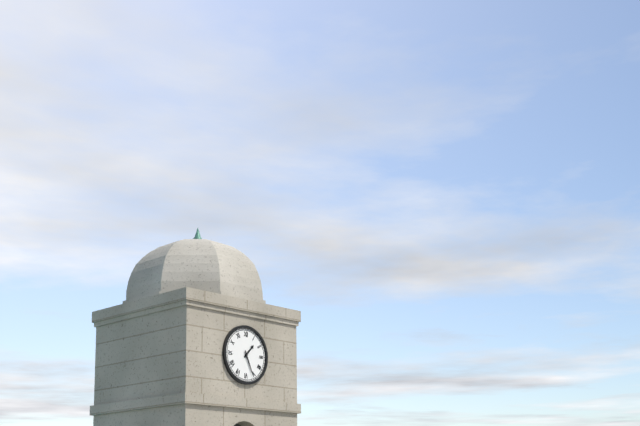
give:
1.26
